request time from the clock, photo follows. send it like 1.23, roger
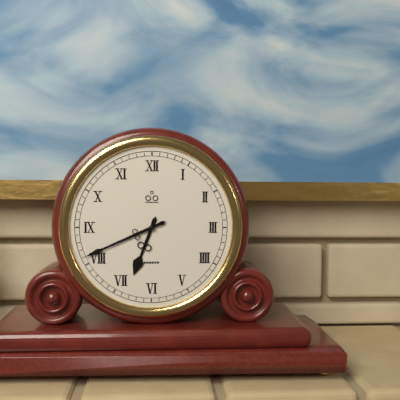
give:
6.41
